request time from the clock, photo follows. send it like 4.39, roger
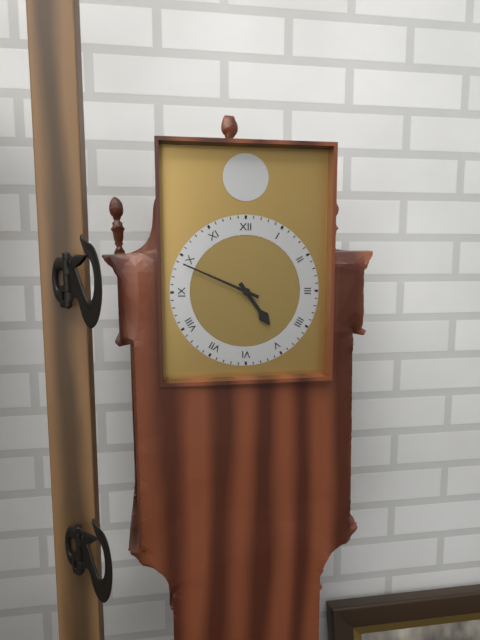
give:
4.49
